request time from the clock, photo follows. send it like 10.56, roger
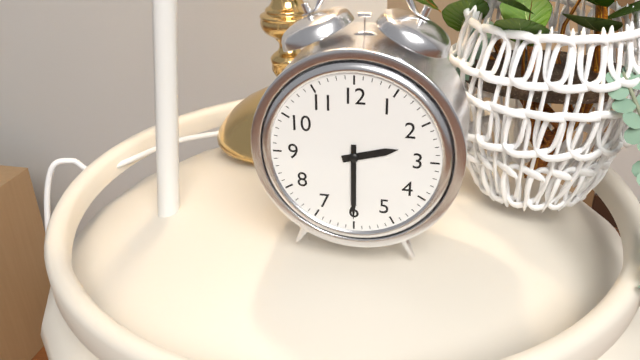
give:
2.30
